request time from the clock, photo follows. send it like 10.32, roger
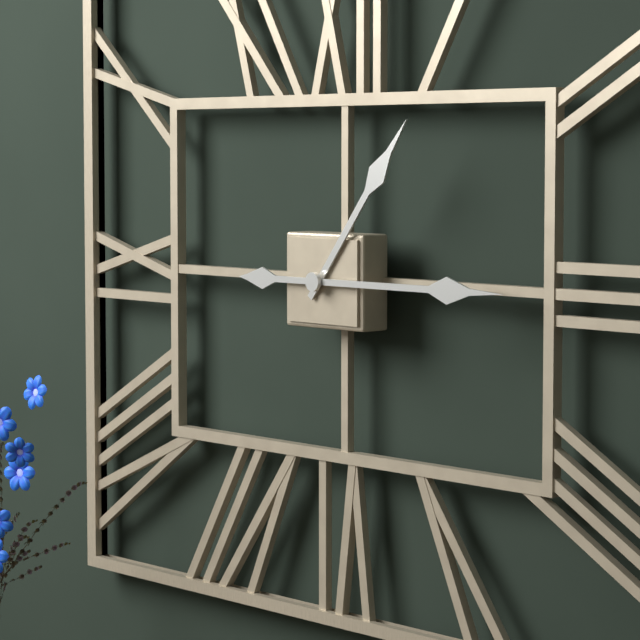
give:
1.15
